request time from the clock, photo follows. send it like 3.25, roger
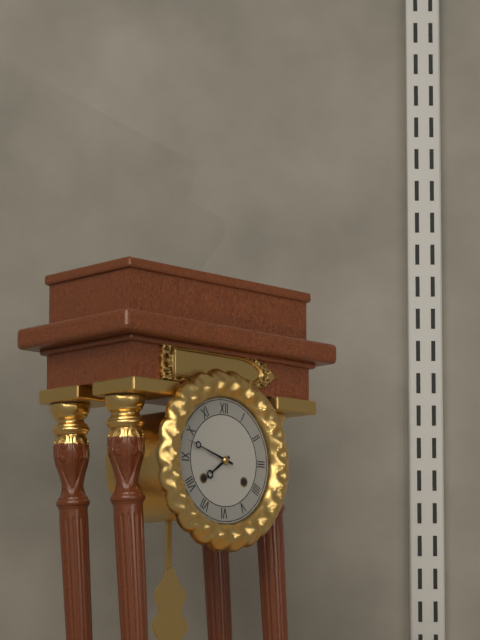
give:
7.48
